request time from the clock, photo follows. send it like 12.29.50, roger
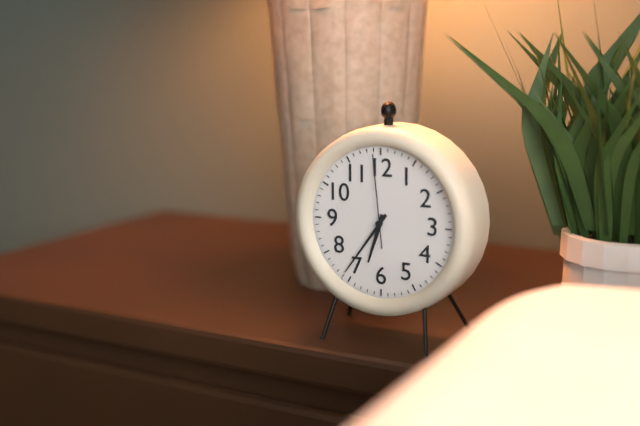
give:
6.36.59
